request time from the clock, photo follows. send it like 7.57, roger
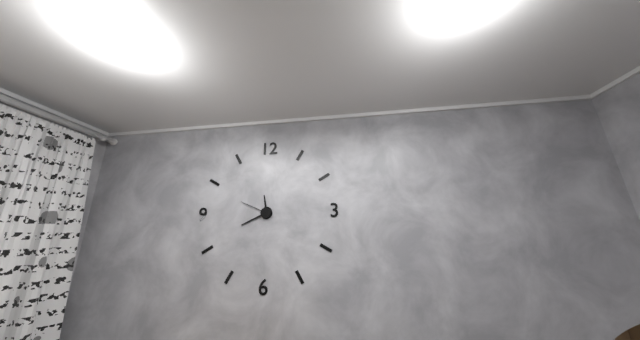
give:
11.41
